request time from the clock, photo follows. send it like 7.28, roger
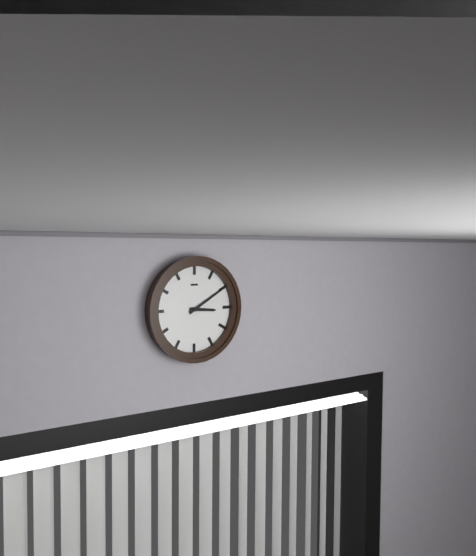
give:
3.10
